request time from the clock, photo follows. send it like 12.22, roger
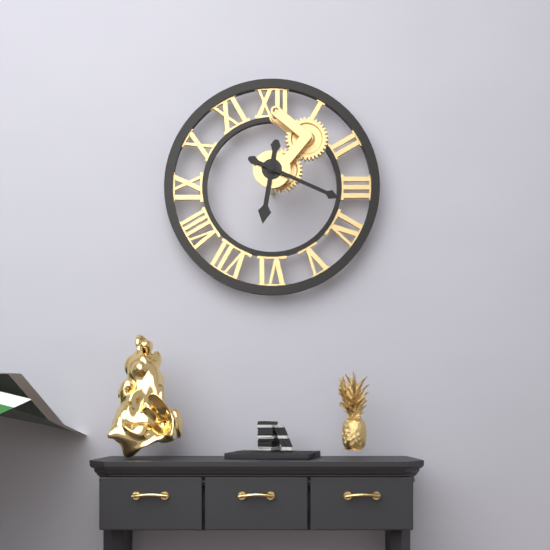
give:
6.19
